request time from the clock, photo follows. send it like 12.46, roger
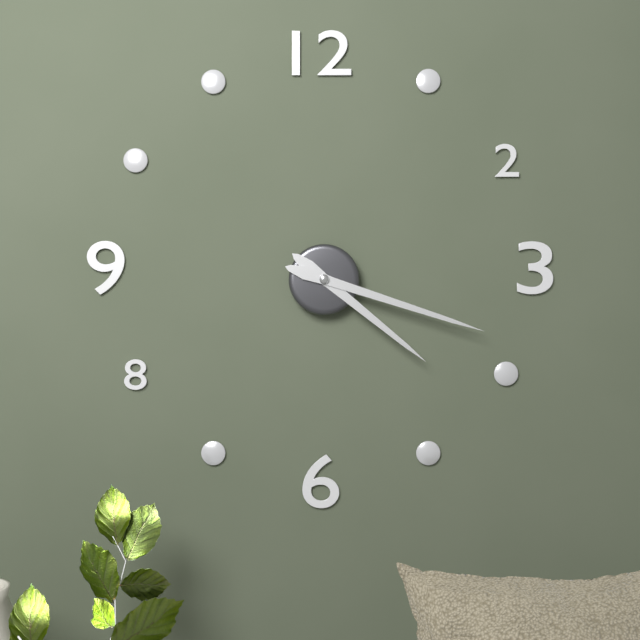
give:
4.18
